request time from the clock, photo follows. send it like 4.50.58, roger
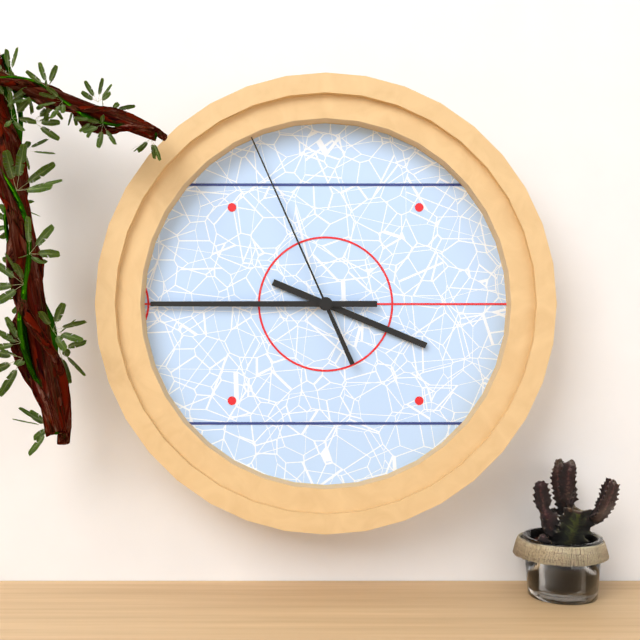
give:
3.45.56
